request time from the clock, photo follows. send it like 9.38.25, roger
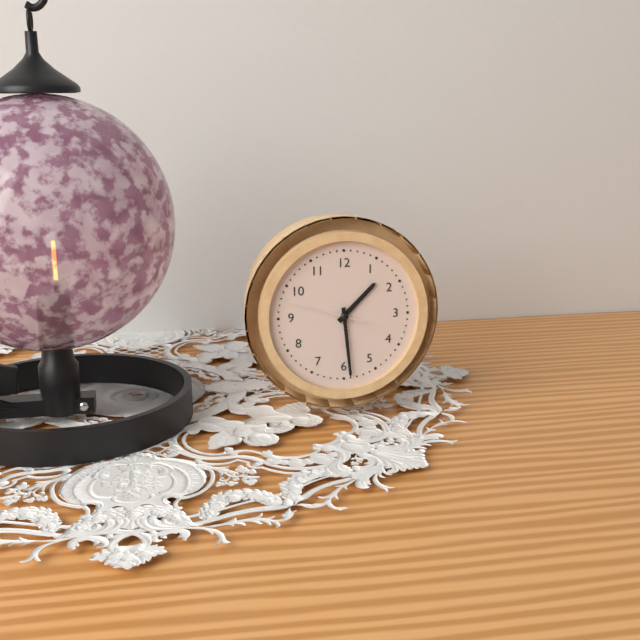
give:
1.29.48
